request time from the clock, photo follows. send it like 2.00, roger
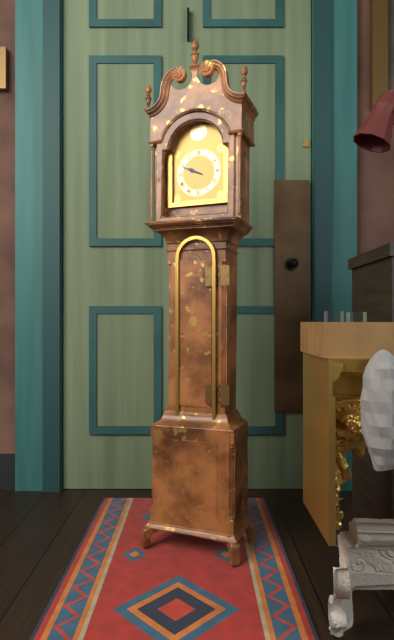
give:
9.49
